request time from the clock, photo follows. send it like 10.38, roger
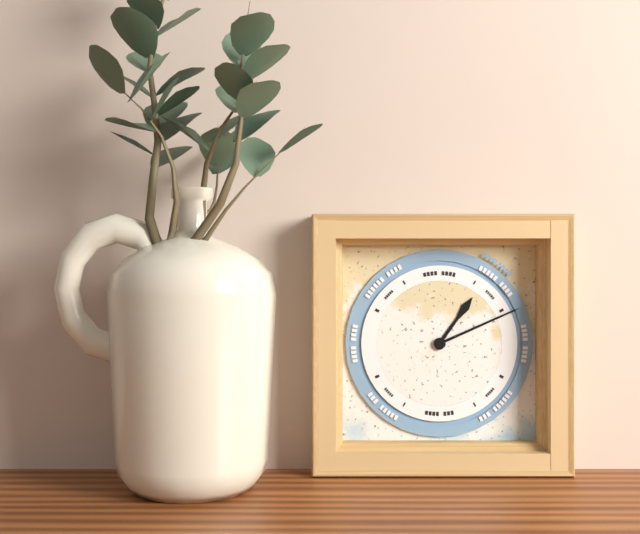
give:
1.11
